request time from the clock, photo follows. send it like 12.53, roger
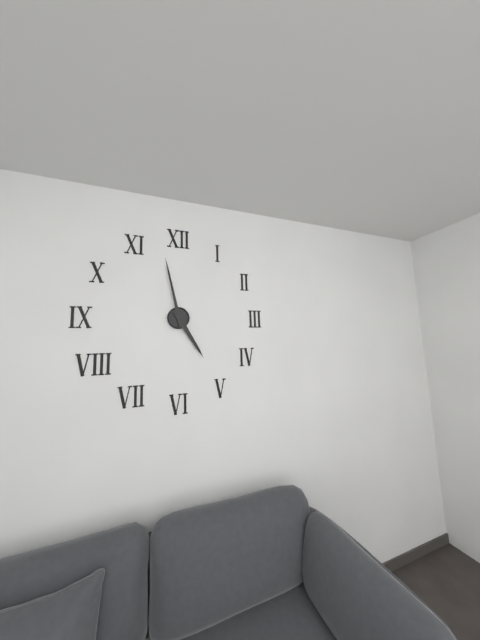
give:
4.58
